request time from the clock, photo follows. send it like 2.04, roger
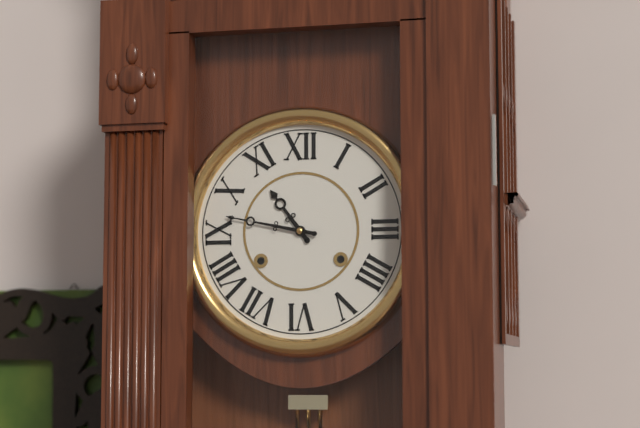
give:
10.47
